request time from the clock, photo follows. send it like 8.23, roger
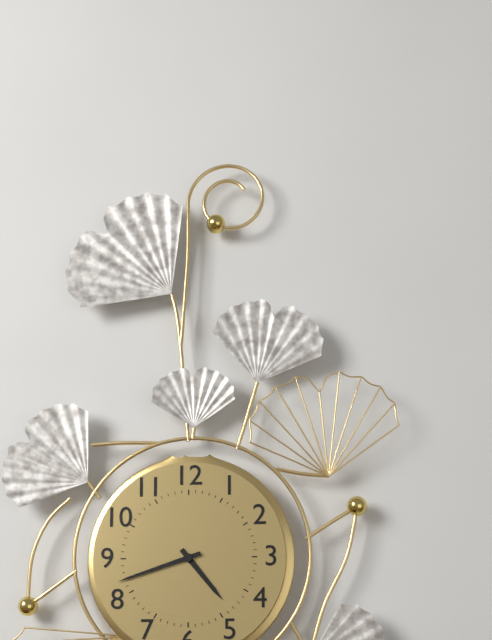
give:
4.42
